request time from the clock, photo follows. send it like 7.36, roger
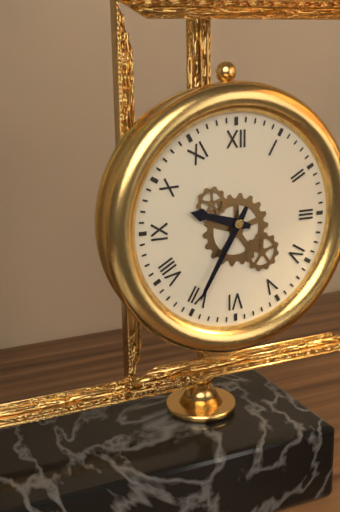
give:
9.35
